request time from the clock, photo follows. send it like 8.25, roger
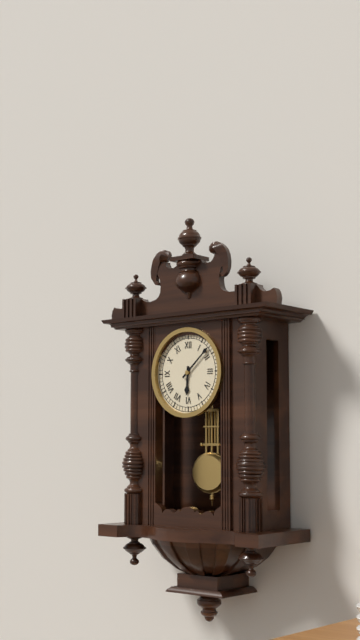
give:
6.08
